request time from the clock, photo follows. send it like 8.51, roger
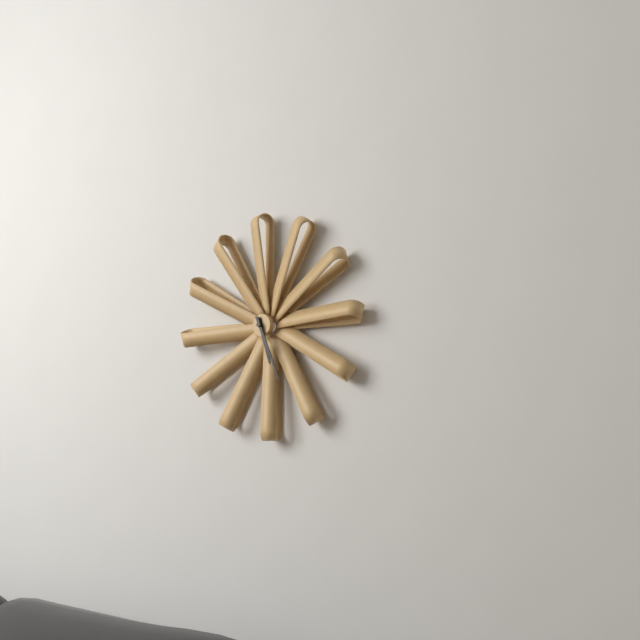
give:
5.26
